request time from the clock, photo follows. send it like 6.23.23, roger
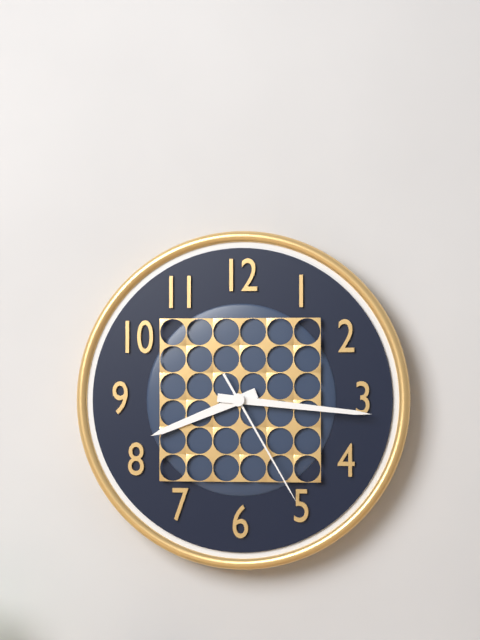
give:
8.16.25
